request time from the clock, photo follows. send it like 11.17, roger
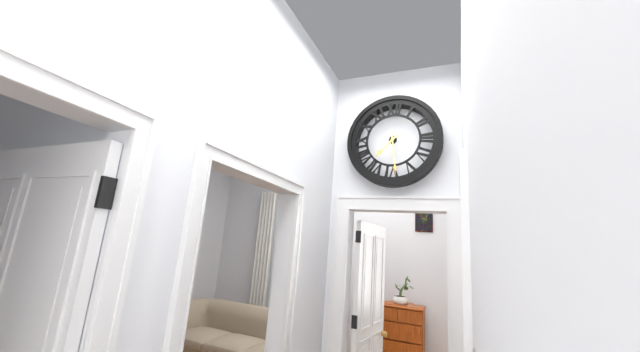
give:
7.29
